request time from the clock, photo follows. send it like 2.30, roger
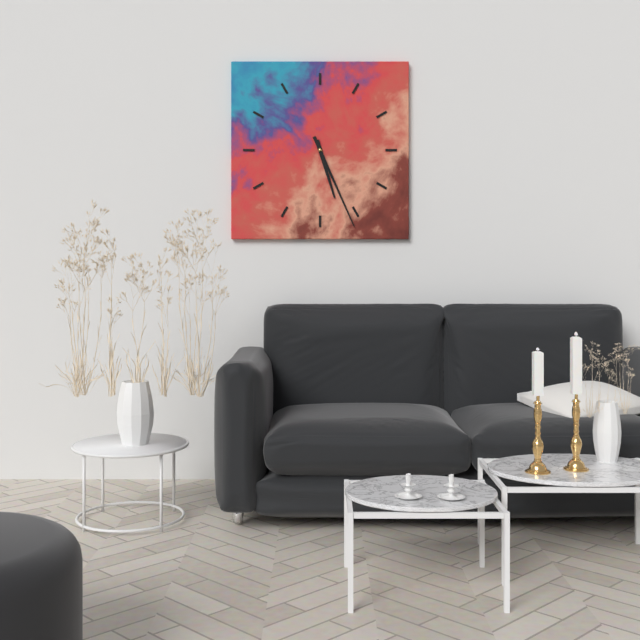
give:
5.26
